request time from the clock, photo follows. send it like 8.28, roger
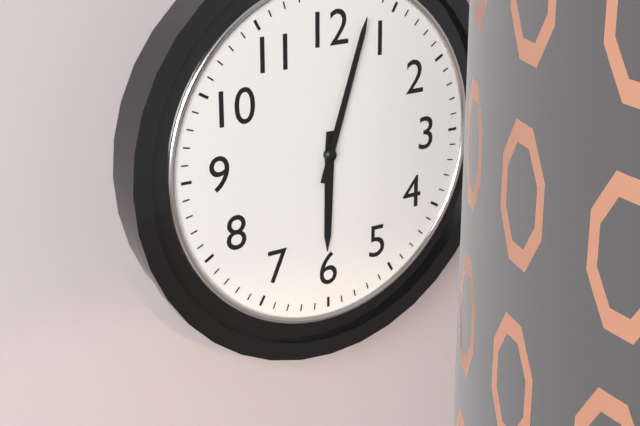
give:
6.03
